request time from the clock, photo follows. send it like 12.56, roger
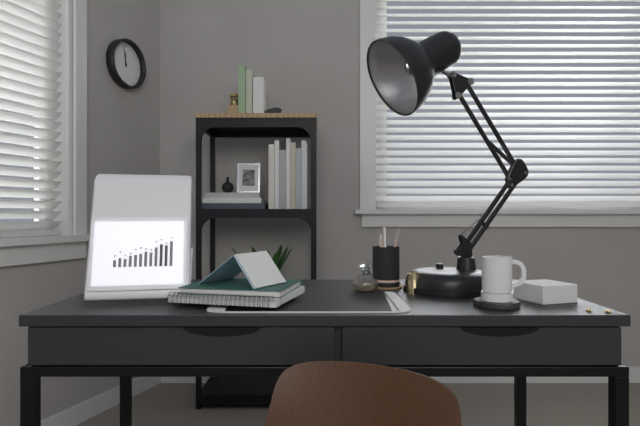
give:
11.58
